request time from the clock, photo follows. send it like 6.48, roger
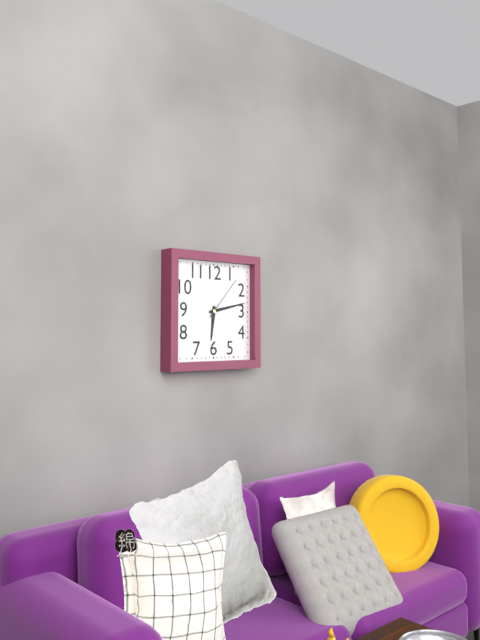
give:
6.13
